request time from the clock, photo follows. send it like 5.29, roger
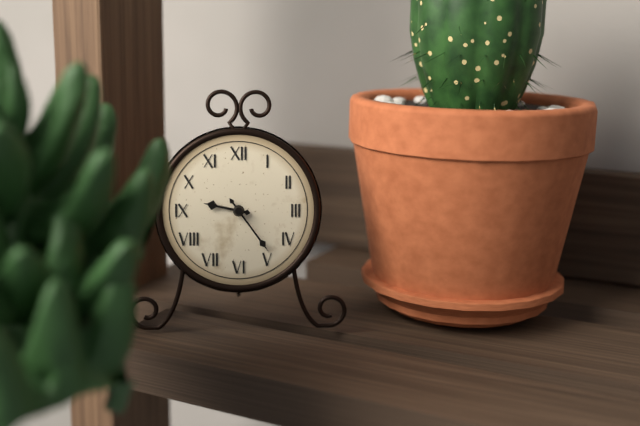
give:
9.24
